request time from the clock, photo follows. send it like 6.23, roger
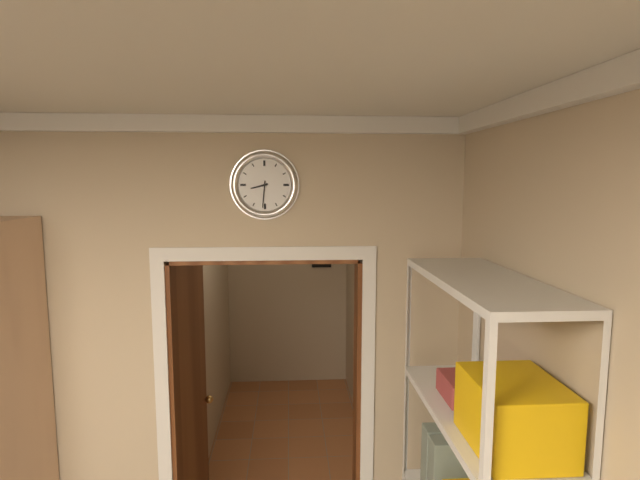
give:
8.31
